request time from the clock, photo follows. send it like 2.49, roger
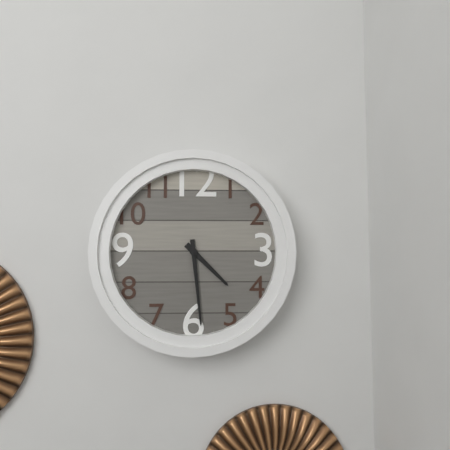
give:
4.29
